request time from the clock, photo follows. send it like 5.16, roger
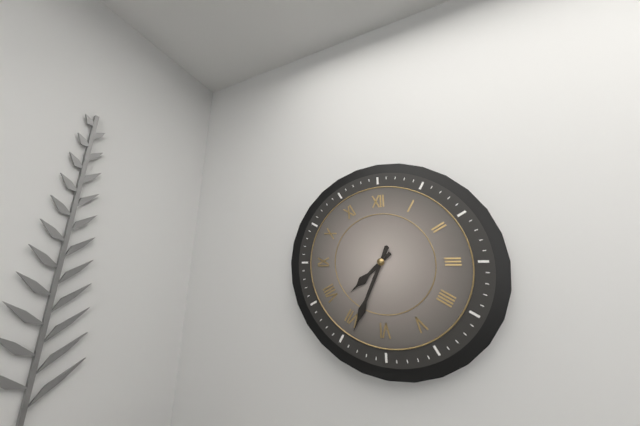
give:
7.34
